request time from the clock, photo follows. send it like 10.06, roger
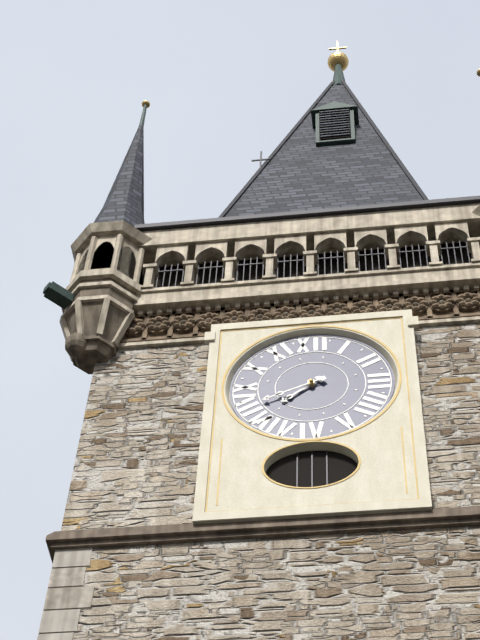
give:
7.41
